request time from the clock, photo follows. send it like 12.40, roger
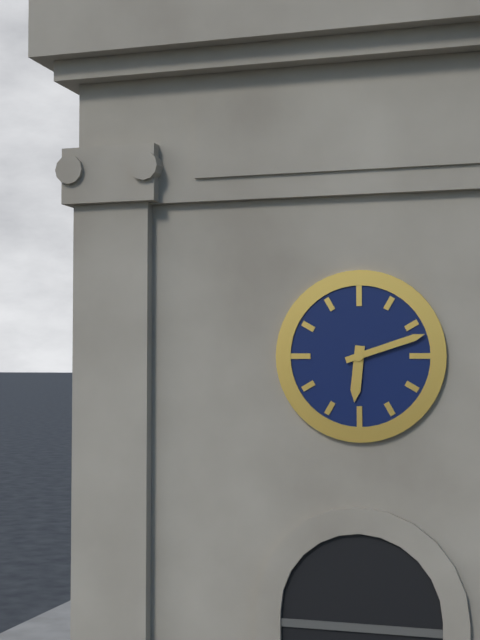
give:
6.12
